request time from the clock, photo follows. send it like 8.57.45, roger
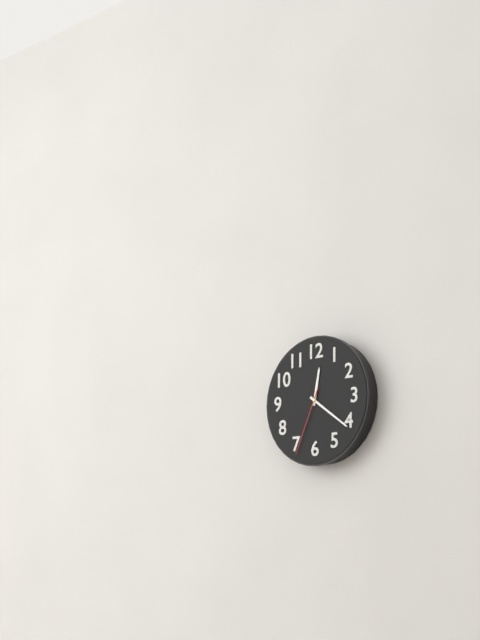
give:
12.21.34
